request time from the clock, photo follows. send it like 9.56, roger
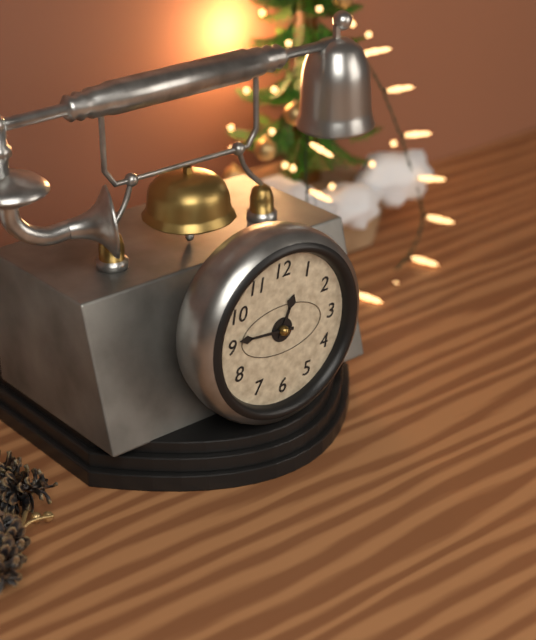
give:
12.46
